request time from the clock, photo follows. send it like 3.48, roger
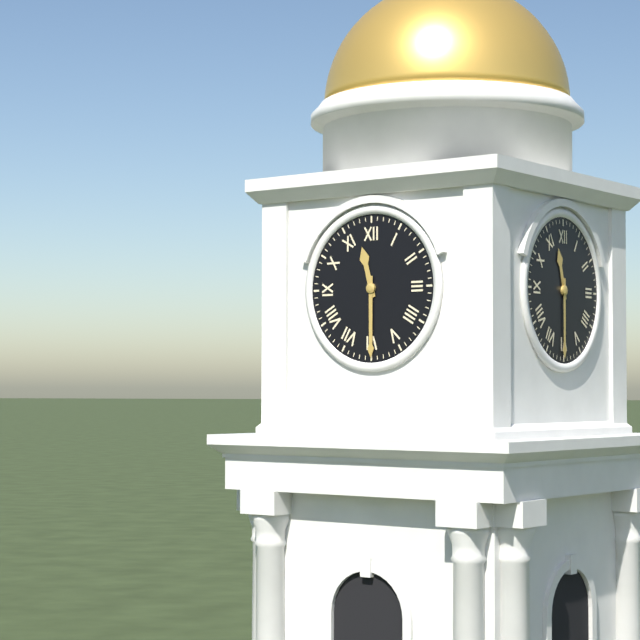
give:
11.30
